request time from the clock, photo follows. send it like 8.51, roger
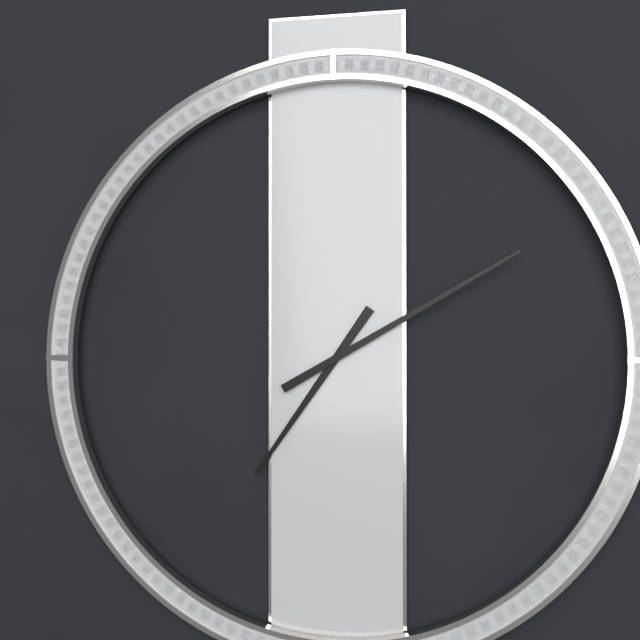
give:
7.10
